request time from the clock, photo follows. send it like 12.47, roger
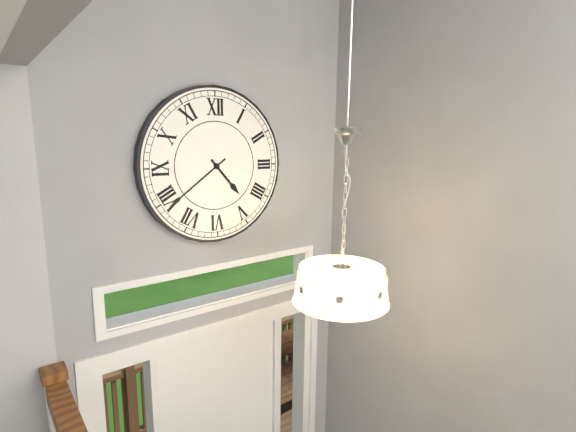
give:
4.39
